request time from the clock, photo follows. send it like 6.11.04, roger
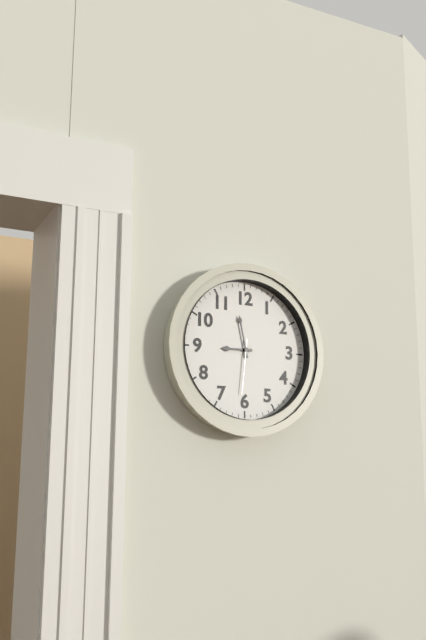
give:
8.58.31
